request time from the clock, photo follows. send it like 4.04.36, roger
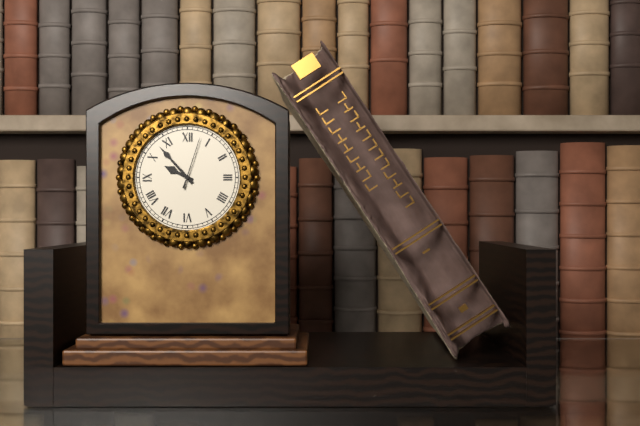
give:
9.53.03
